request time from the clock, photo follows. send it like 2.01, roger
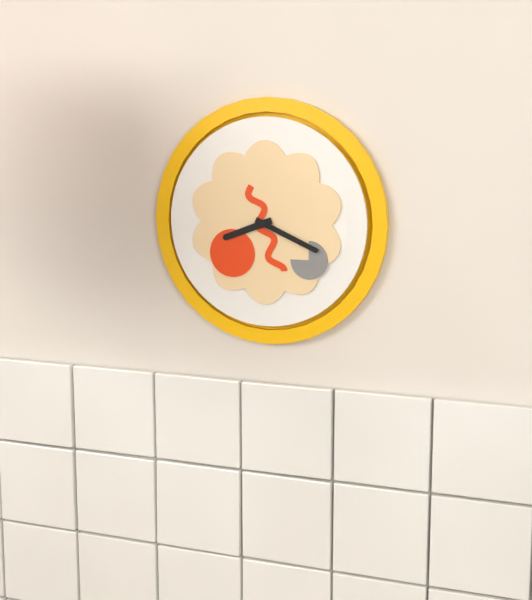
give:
8.19
